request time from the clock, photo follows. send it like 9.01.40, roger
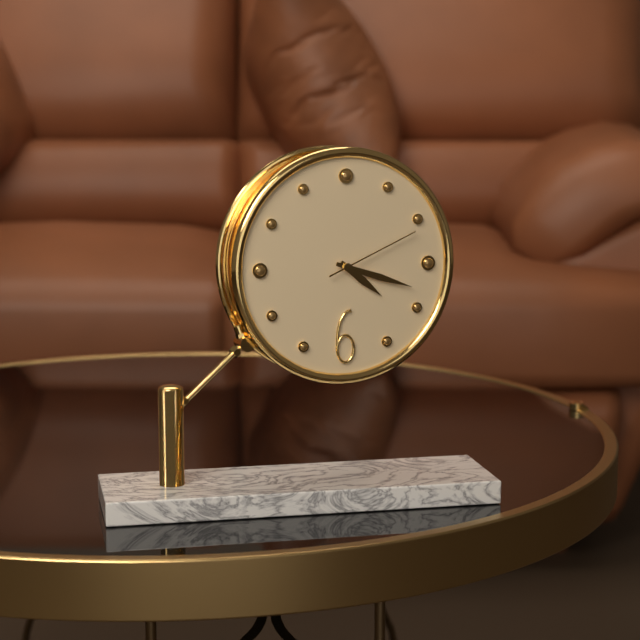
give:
4.18.11
